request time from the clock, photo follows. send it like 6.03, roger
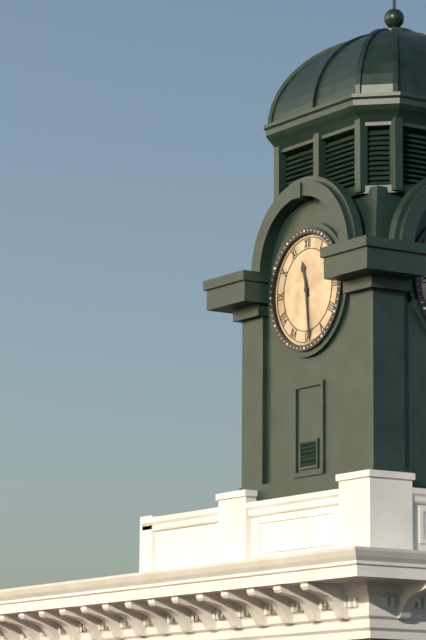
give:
11.29
